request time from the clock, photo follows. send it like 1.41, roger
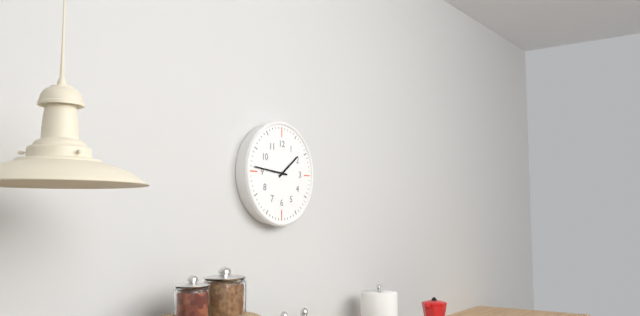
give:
1.46
